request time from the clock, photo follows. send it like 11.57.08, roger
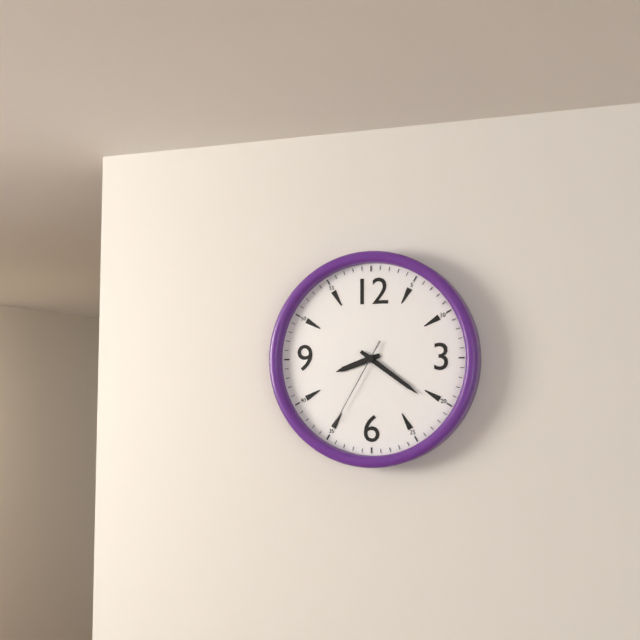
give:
8.21.35
